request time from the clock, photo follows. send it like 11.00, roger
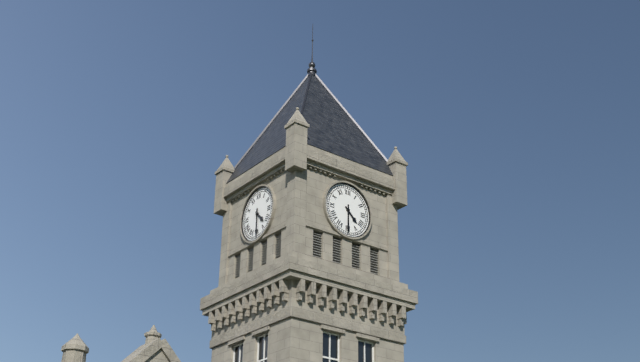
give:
4.30
